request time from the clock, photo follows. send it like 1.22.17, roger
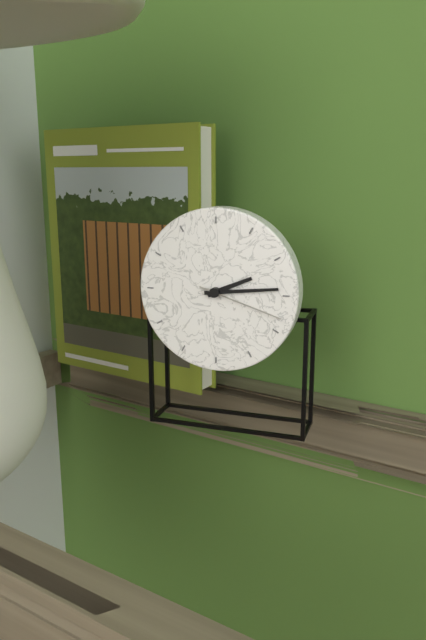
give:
2.14.18
